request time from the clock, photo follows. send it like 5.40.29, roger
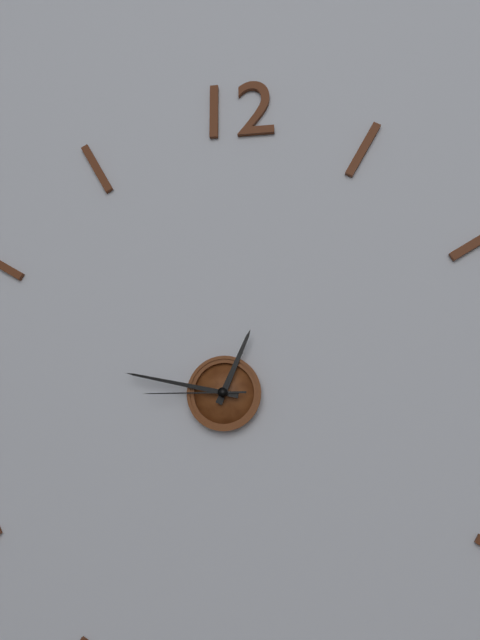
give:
12.47.45
